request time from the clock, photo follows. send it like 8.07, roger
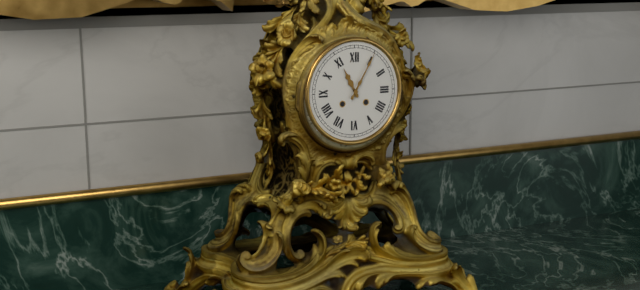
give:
11.05
